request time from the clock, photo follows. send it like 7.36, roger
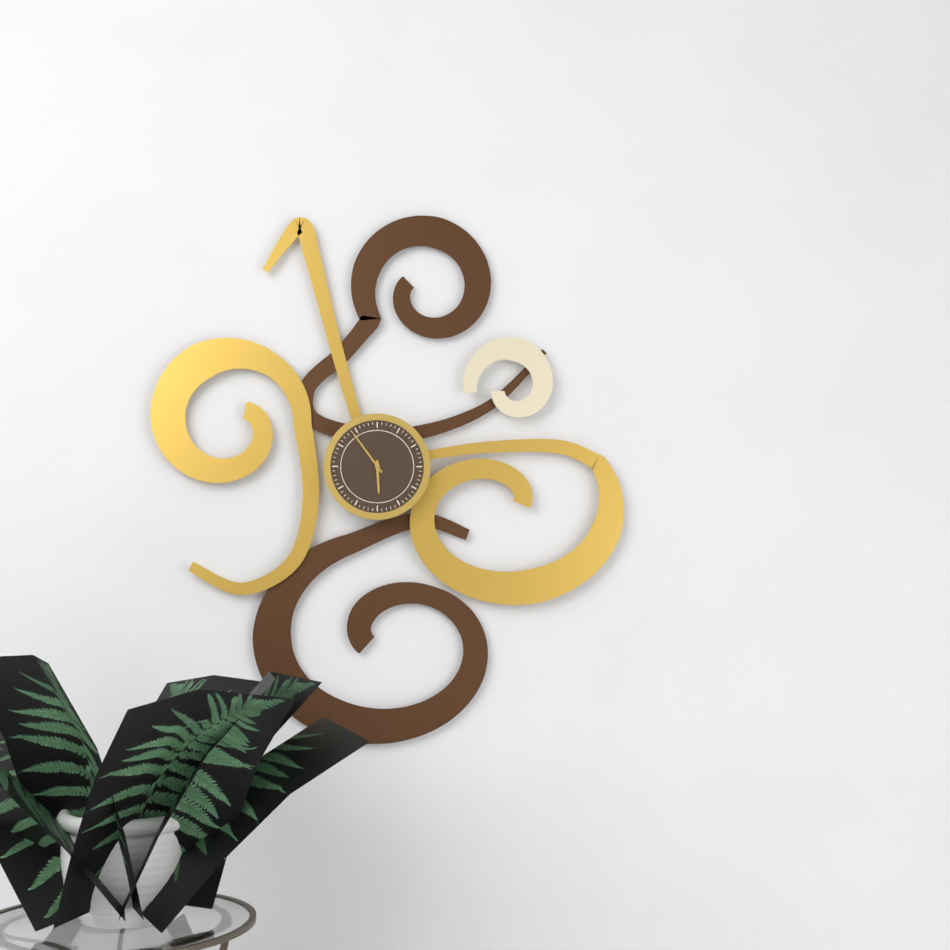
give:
5.54
